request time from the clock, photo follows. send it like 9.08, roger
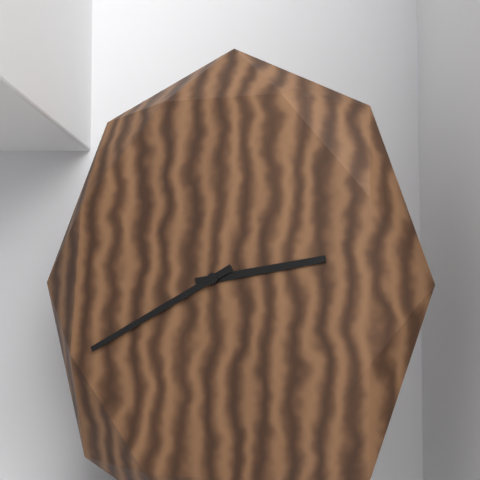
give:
2.40
